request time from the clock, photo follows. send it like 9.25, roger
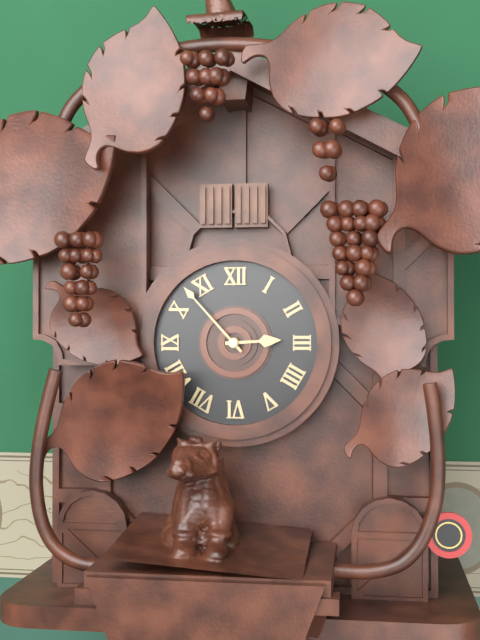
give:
2.53
